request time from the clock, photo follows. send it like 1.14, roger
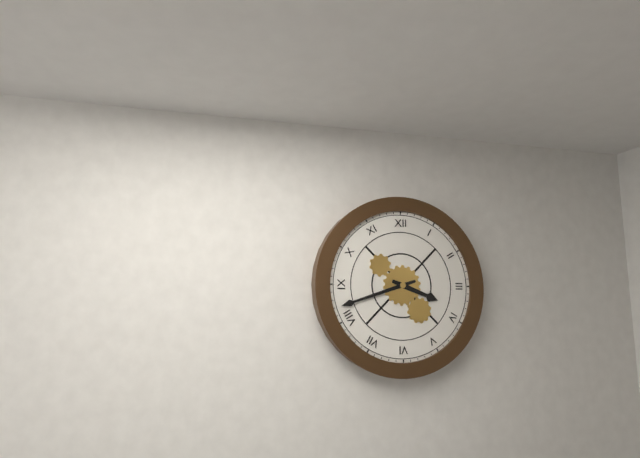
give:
3.42
